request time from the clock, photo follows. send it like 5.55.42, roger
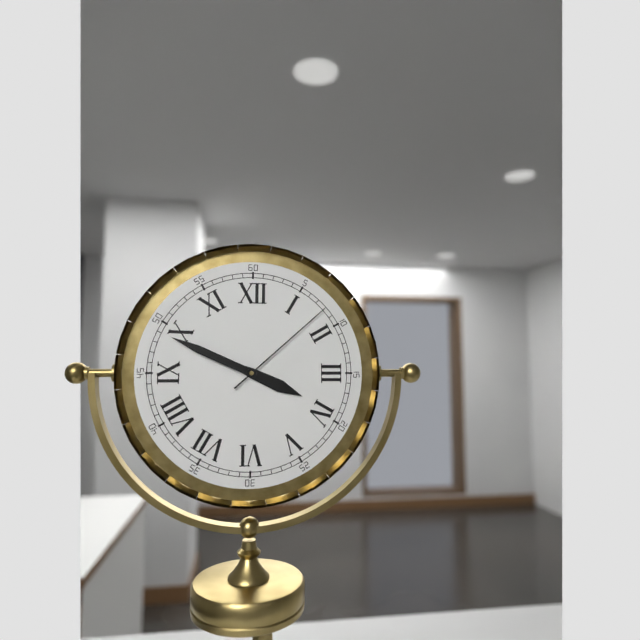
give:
3.49.08
